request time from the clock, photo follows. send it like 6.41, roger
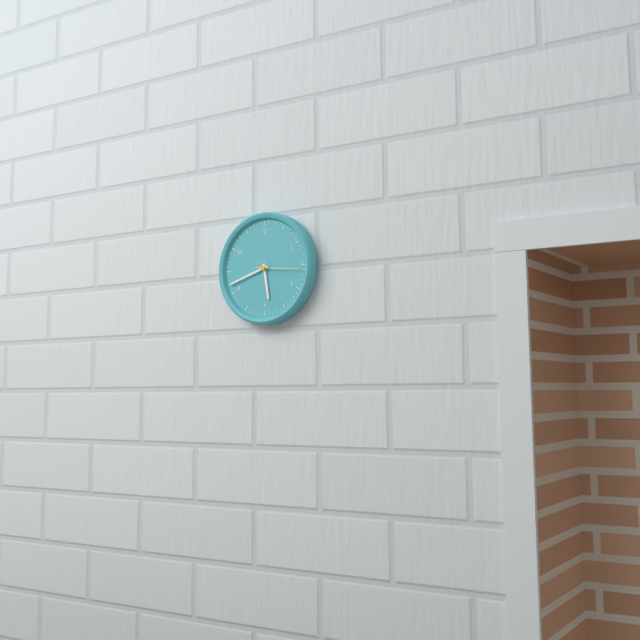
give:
5.42
